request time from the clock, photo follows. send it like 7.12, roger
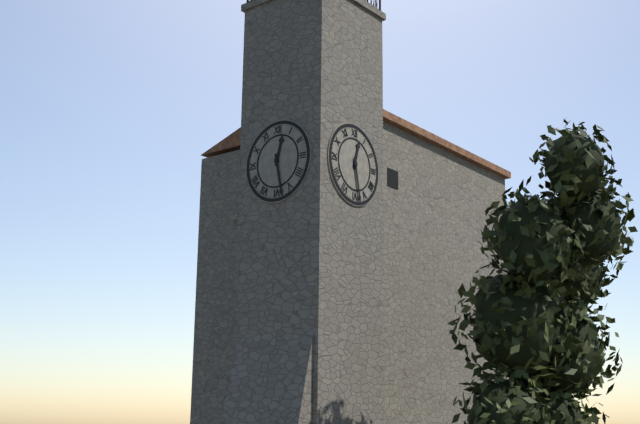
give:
12.28
